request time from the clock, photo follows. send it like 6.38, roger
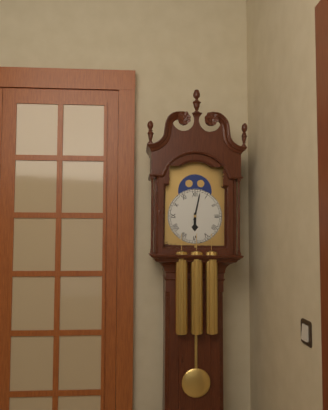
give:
6.02
